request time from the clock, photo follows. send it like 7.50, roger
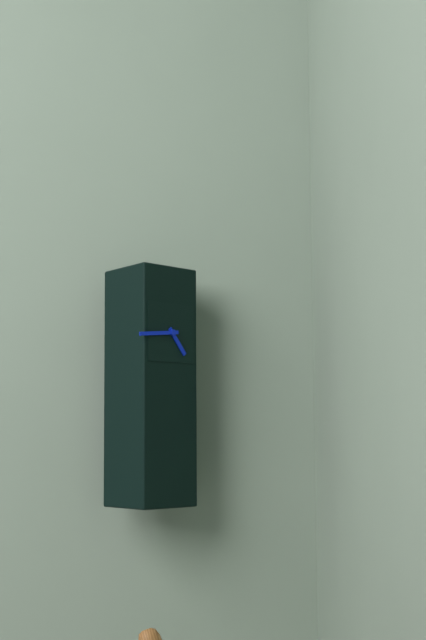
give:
4.44
